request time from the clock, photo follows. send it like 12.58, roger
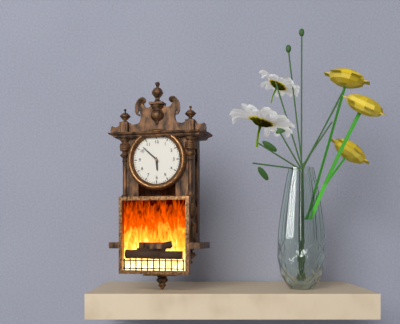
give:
5.52
